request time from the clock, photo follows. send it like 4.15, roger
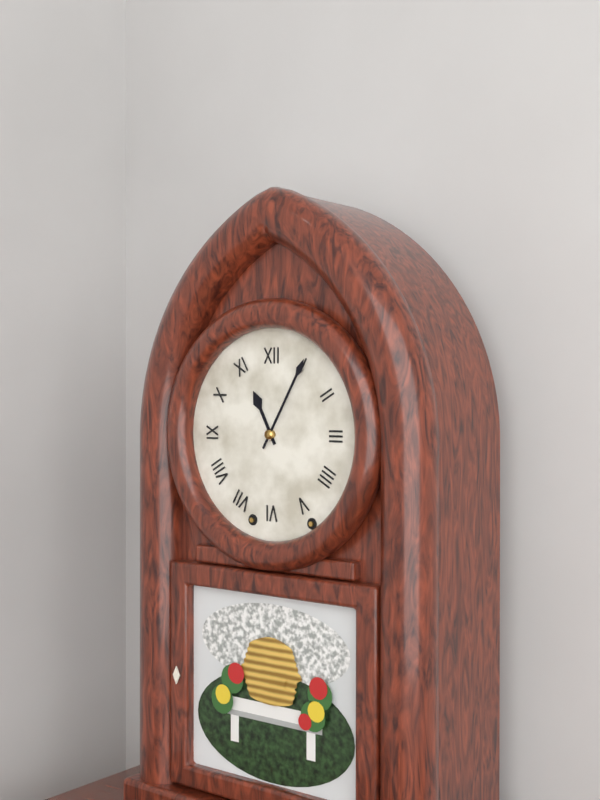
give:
11.05
